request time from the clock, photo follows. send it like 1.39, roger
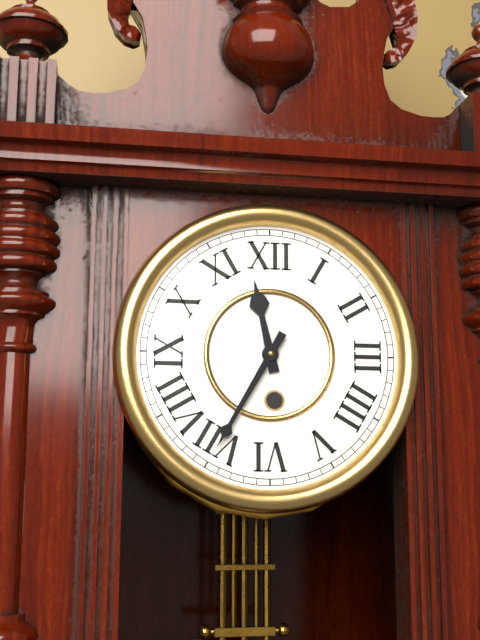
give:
11.35
